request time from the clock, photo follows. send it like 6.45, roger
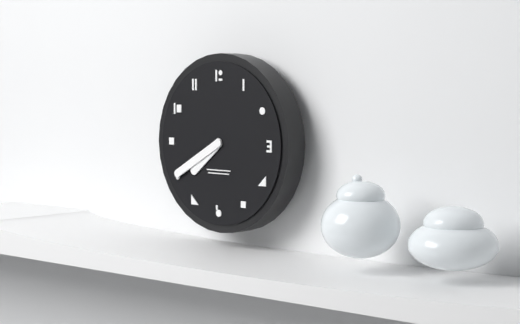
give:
7.40
